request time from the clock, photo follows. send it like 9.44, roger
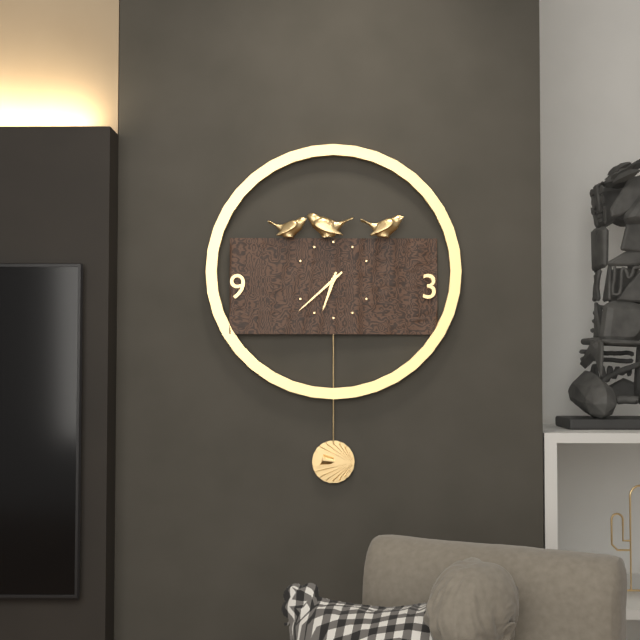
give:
6.38
